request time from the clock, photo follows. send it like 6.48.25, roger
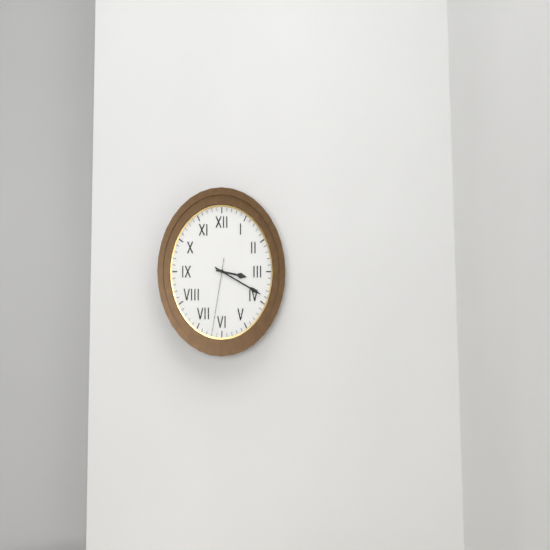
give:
3.19.32
